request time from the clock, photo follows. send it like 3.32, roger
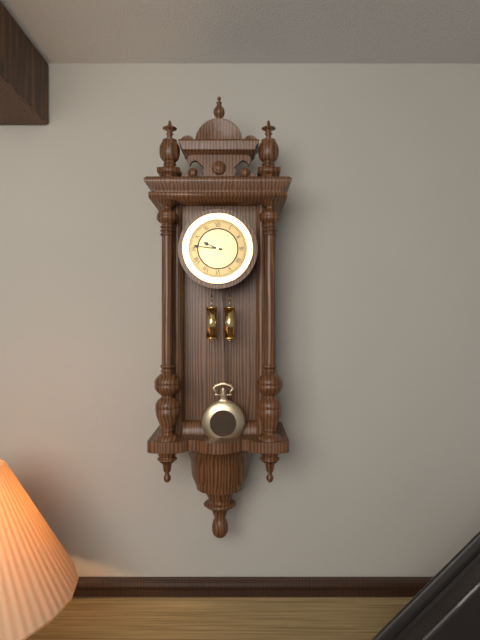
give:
9.46
